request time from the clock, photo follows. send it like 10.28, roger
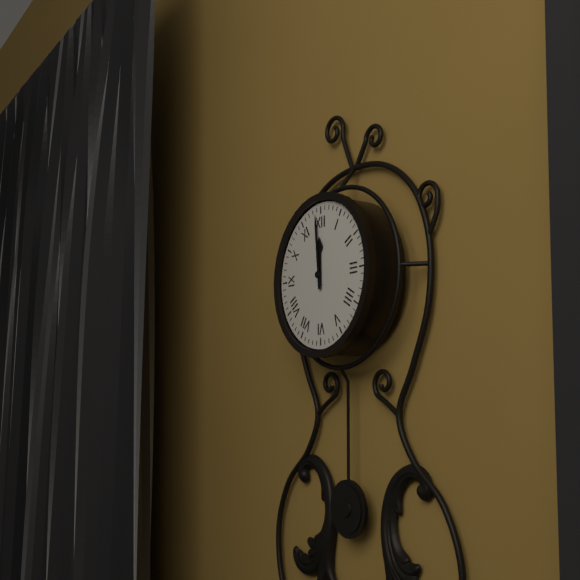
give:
11.59
